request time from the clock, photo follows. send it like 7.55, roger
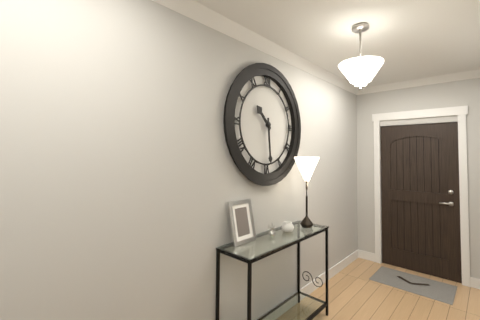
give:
10.29
